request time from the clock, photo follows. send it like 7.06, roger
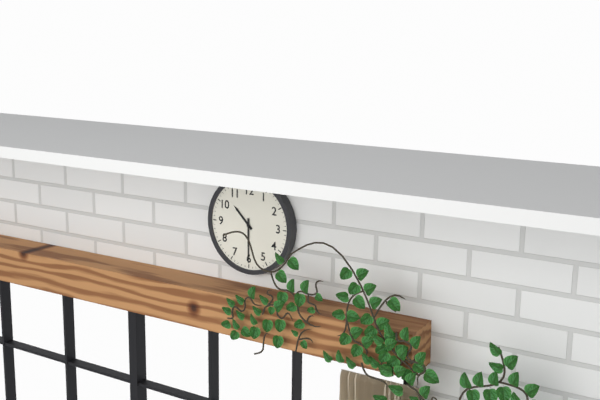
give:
10.30
